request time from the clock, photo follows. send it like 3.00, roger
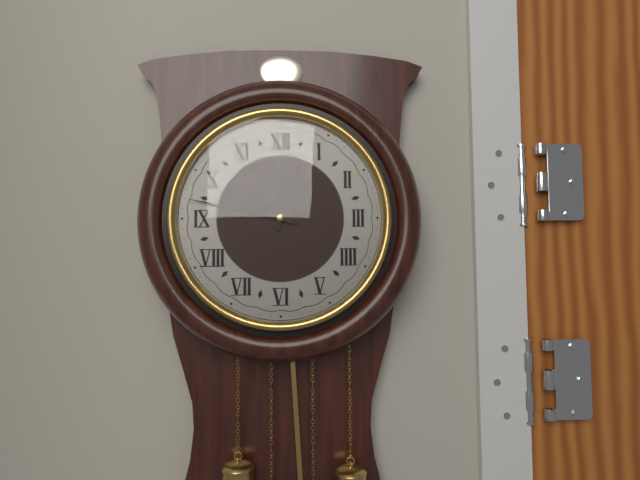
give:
12.47
